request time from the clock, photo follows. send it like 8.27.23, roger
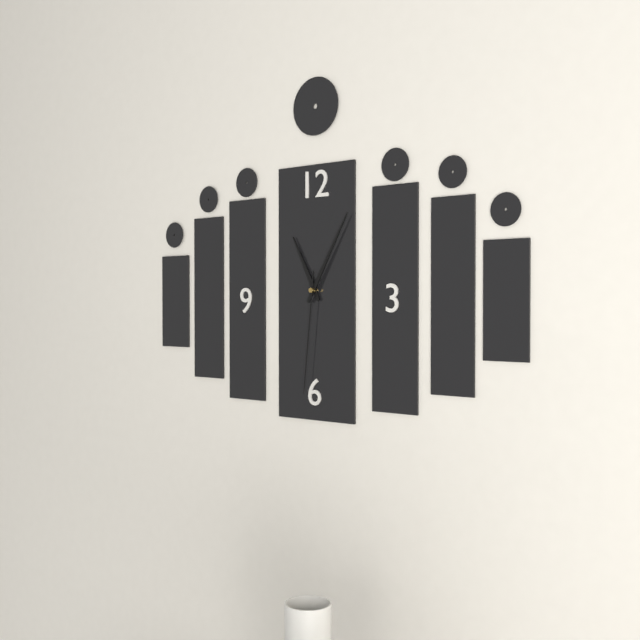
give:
11.05.31
